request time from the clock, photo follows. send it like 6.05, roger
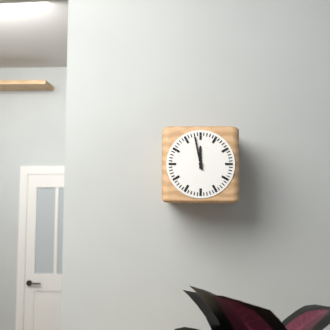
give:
11.58
